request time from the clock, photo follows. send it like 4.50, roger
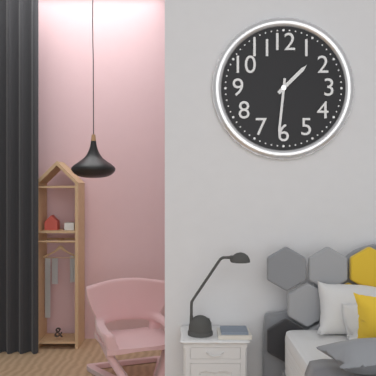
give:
1.31
